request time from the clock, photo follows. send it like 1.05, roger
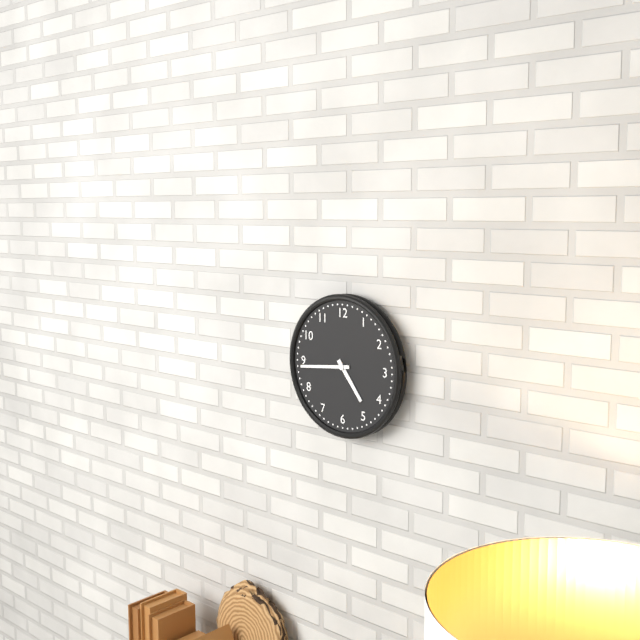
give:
4.44
